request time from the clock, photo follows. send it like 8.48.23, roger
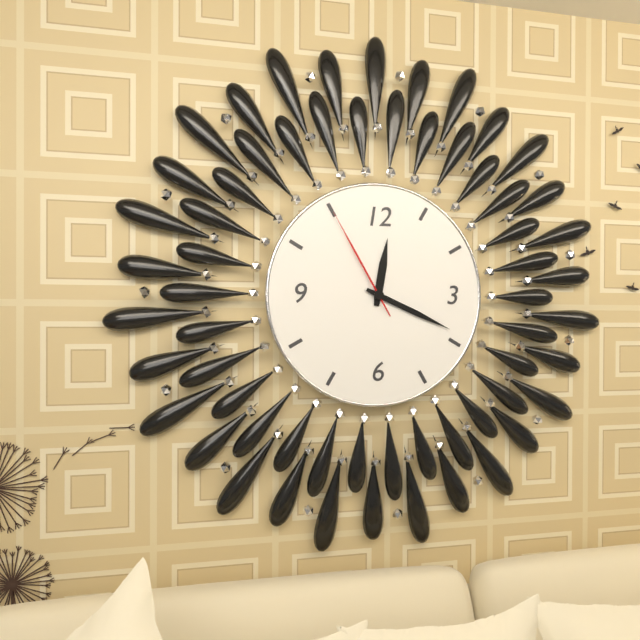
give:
12.19.55
